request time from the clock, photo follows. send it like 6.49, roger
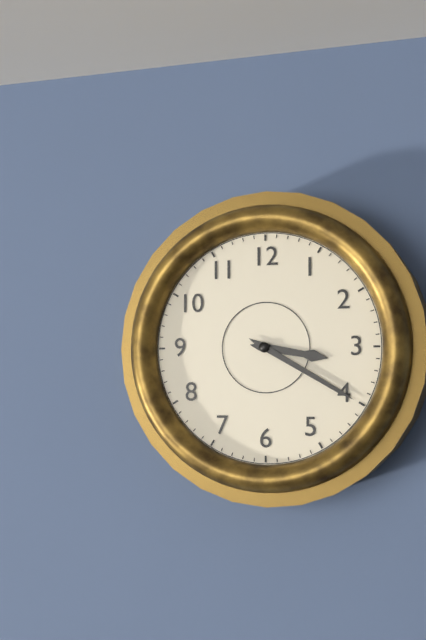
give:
3.20
